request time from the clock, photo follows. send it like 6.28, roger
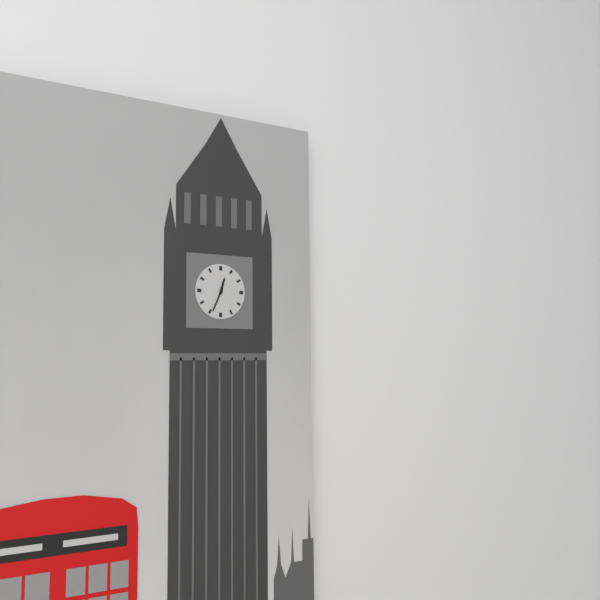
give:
12.34
